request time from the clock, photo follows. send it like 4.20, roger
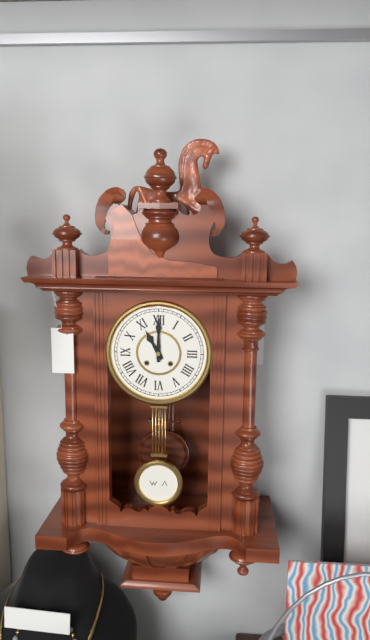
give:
11.00
